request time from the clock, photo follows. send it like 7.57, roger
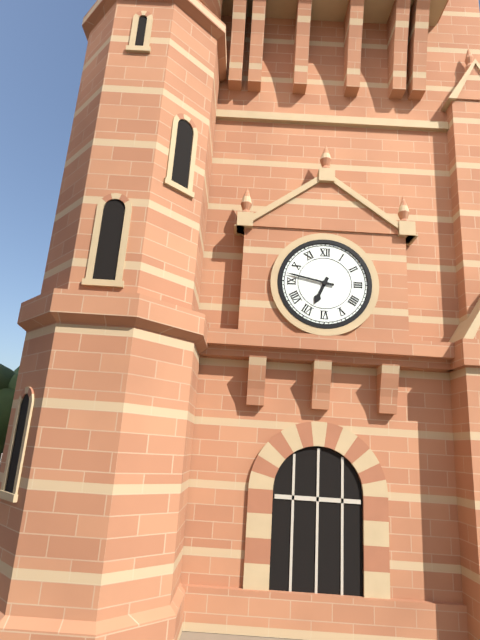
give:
6.47
